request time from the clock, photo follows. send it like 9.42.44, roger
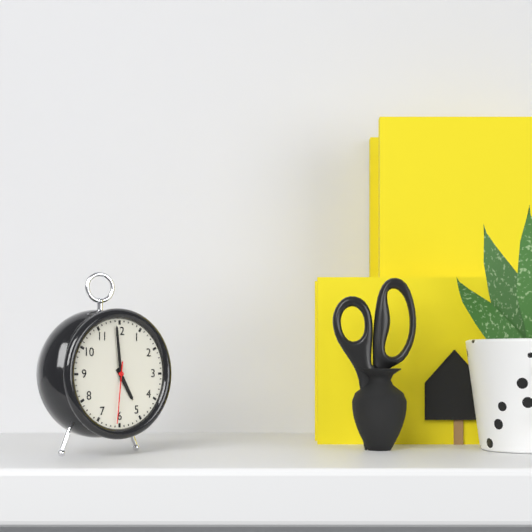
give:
4.59.31
